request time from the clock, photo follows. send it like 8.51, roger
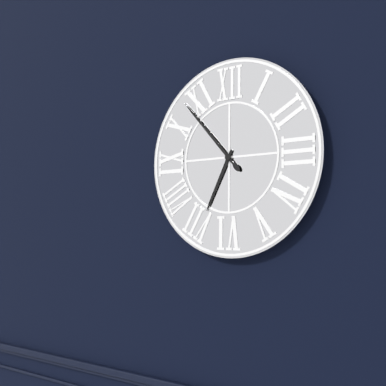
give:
6.53
